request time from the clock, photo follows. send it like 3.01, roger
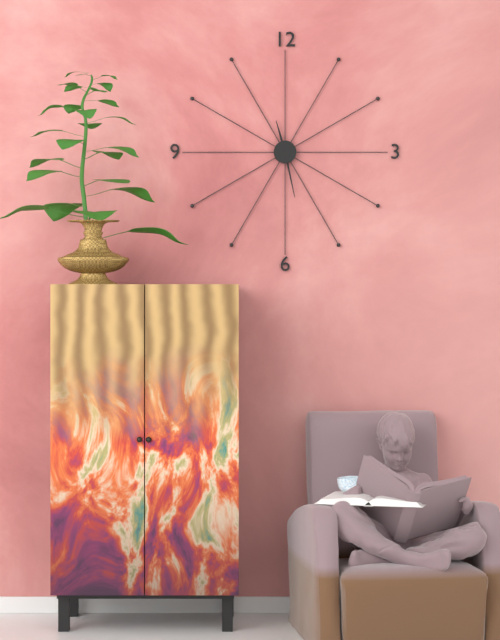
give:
11.28
